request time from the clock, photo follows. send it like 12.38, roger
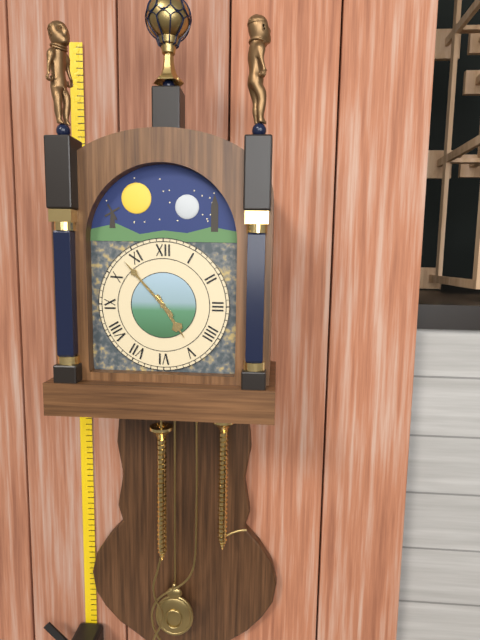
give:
4.53
